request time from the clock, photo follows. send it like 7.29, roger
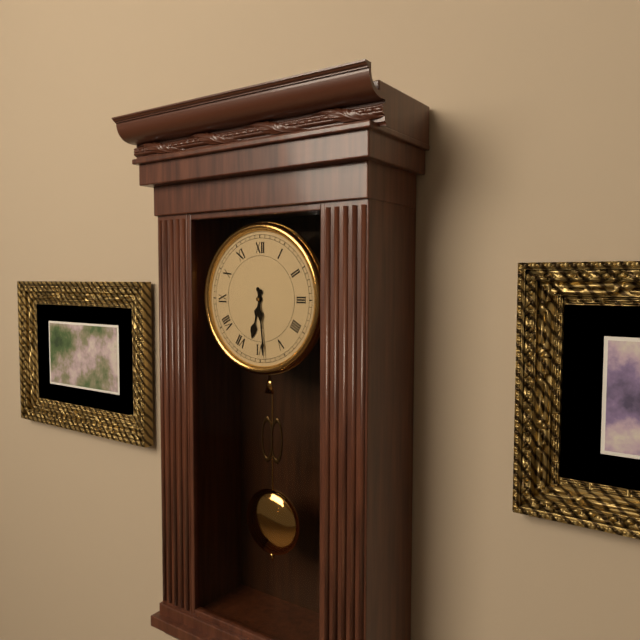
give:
6.29
